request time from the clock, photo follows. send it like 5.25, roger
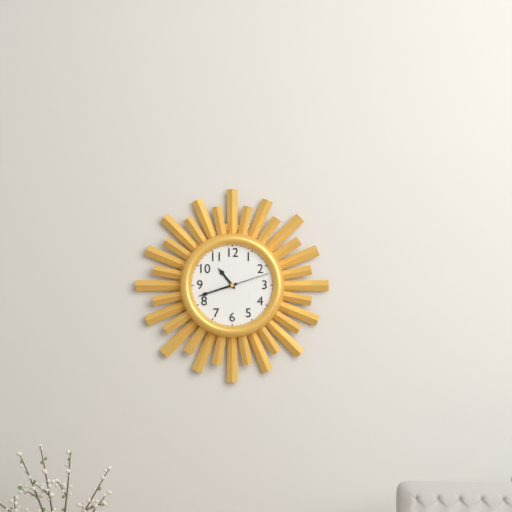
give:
10.42
